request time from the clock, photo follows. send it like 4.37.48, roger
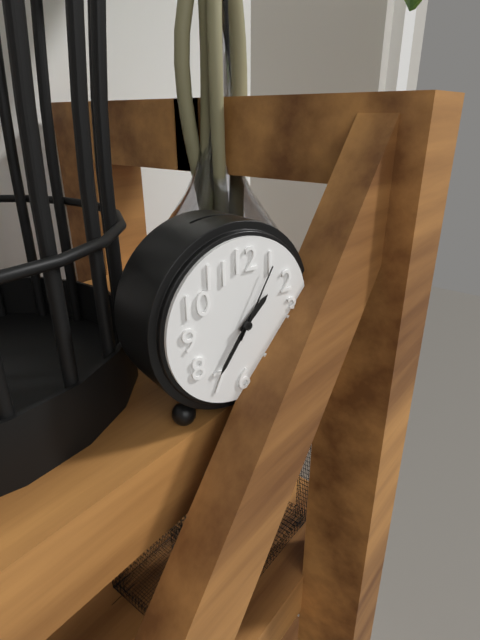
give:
1.36.05
